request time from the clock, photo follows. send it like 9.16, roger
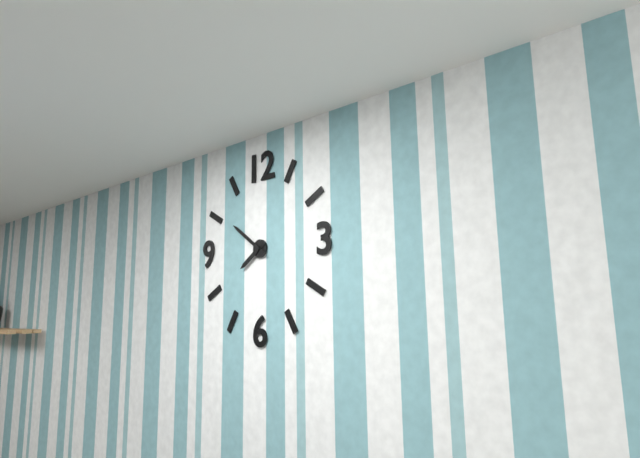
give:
7.51
